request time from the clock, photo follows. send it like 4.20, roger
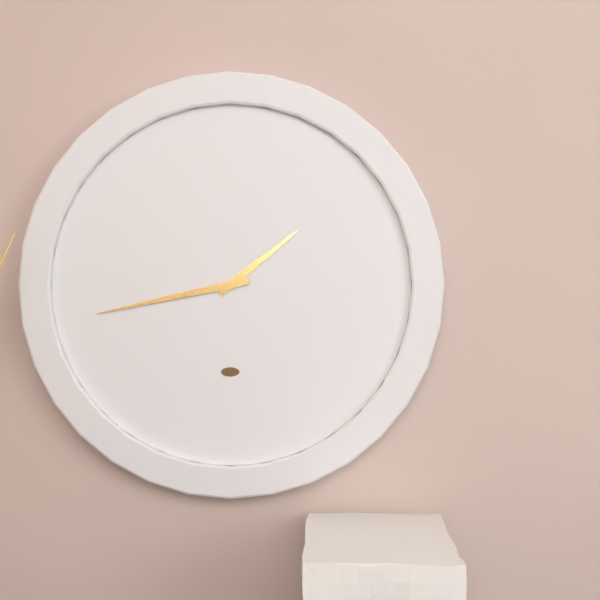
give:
1.43
